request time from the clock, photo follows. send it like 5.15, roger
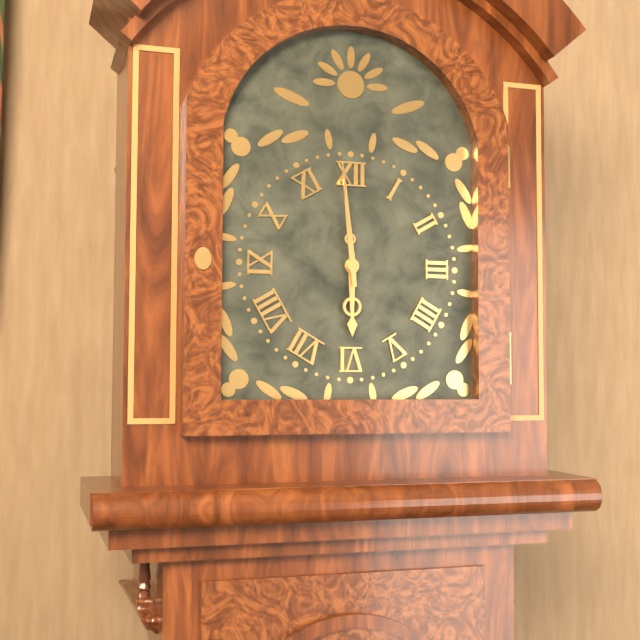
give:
5.59
